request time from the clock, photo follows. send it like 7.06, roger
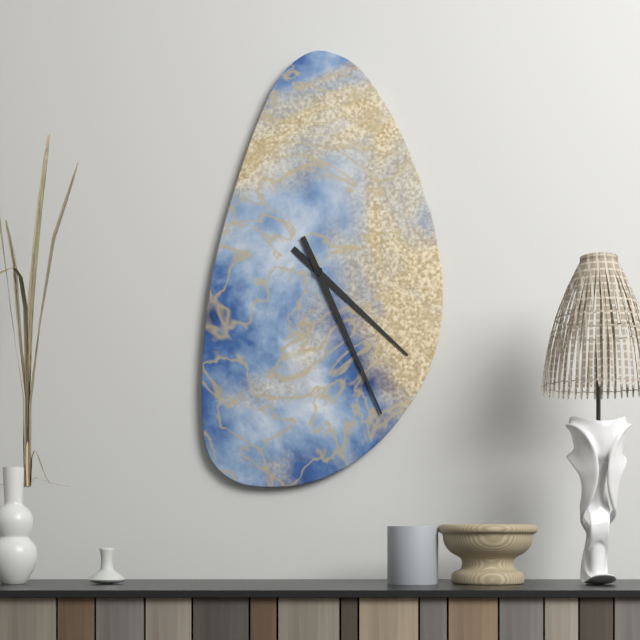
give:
4.26
